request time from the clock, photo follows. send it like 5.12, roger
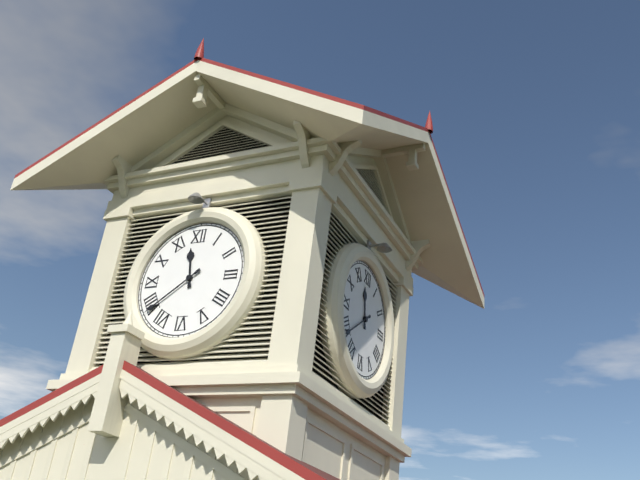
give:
11.39
